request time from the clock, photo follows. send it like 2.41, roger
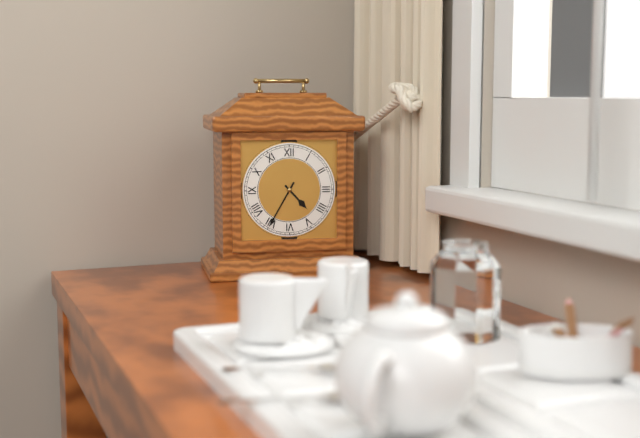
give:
4.35
